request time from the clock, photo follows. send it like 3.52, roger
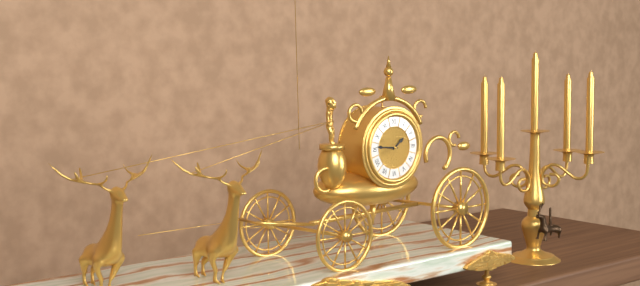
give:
1.46
